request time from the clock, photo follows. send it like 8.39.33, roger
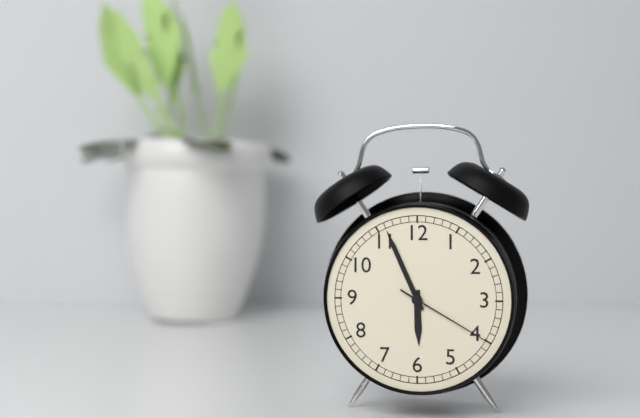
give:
5.56.20
